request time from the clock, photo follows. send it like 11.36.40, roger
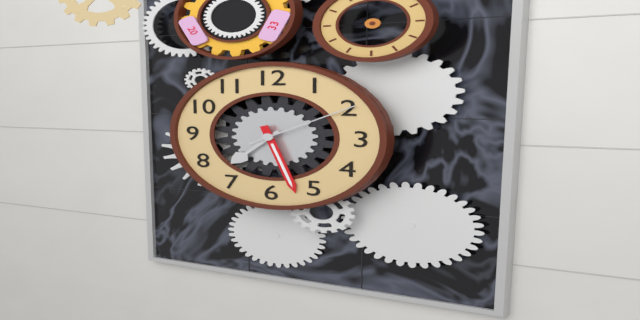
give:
7.27.10
